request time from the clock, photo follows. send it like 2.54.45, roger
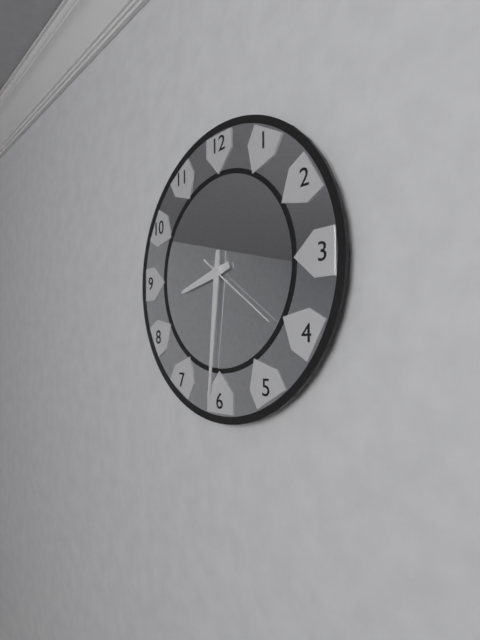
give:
8.31.21
